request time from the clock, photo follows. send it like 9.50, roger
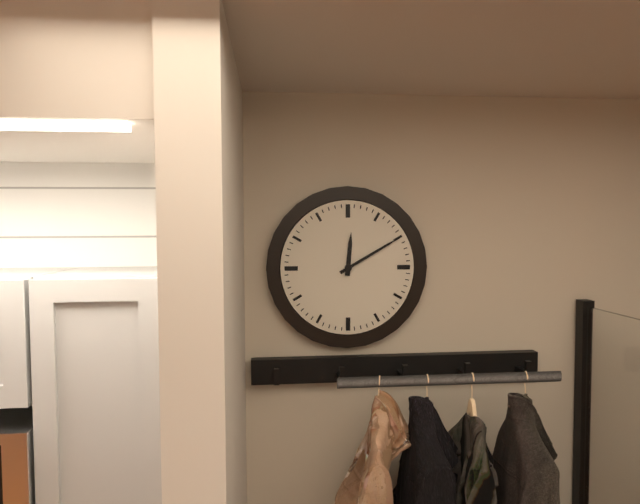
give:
12.10
